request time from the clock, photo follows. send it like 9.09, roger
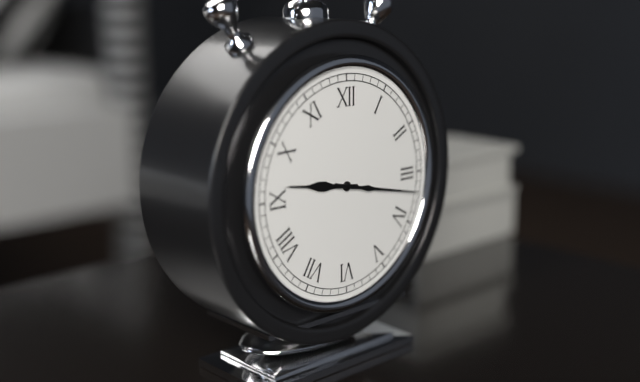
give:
9.17
